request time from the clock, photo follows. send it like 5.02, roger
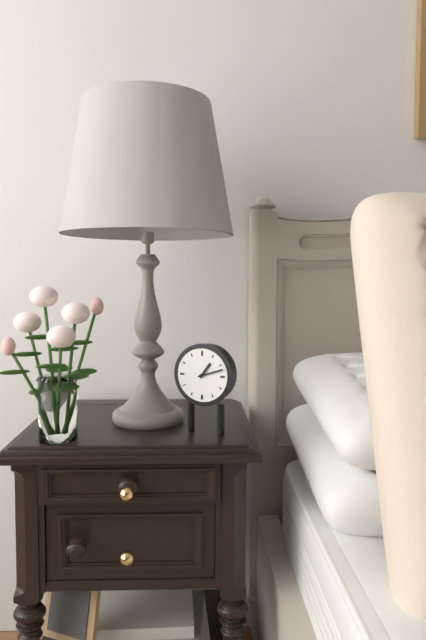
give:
1.12
